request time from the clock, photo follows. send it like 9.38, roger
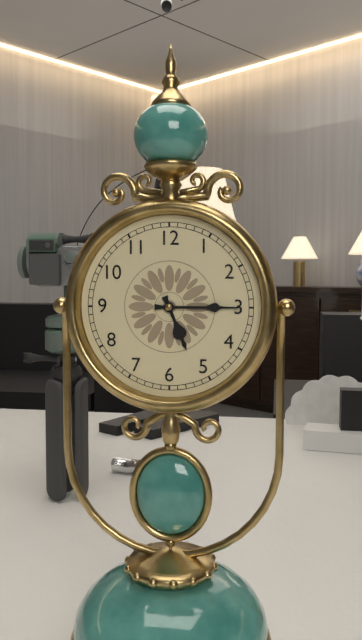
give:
5.15
